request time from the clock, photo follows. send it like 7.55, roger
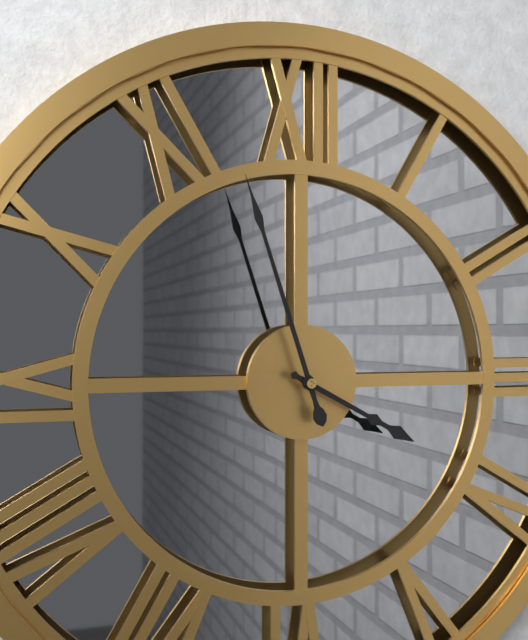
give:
3.57
